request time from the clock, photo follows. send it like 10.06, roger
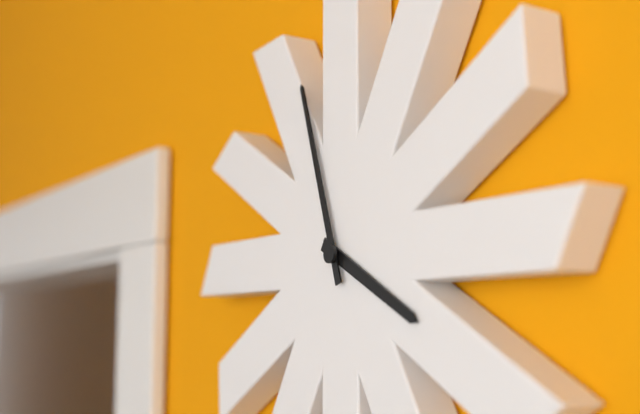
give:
3.57
